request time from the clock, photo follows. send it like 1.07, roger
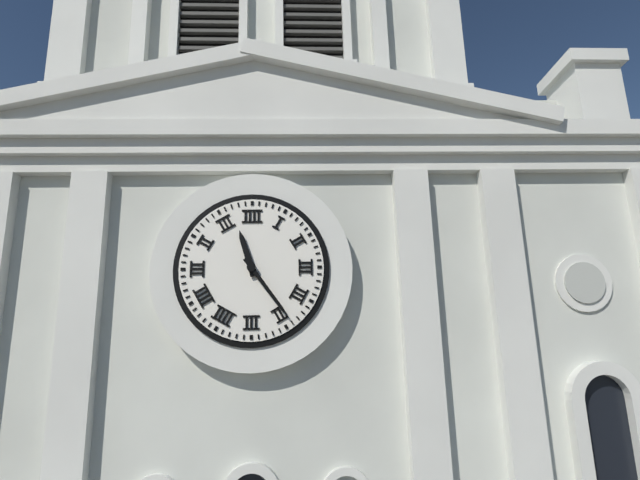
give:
11.24
